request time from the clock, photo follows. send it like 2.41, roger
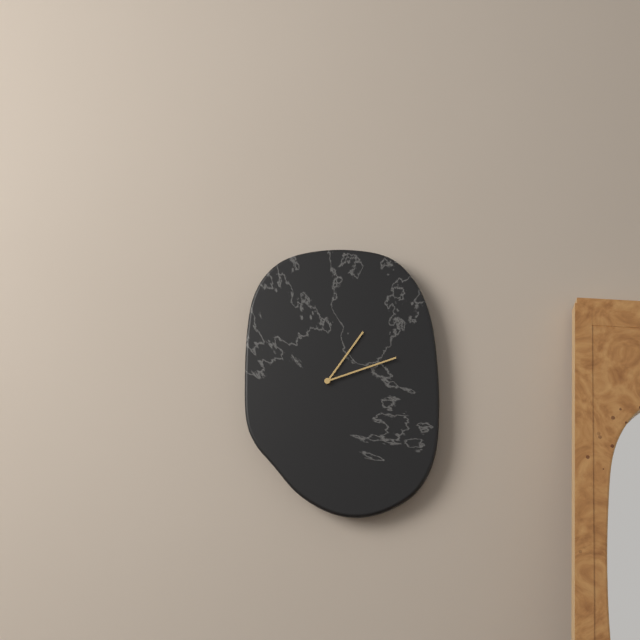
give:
1.12
